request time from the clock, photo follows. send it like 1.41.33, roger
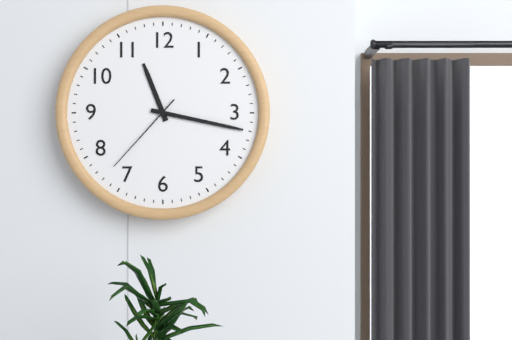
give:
11.17.37
